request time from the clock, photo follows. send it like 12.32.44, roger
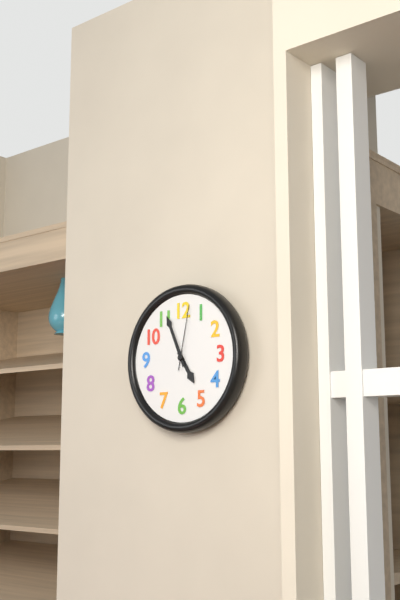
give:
4.56.02
